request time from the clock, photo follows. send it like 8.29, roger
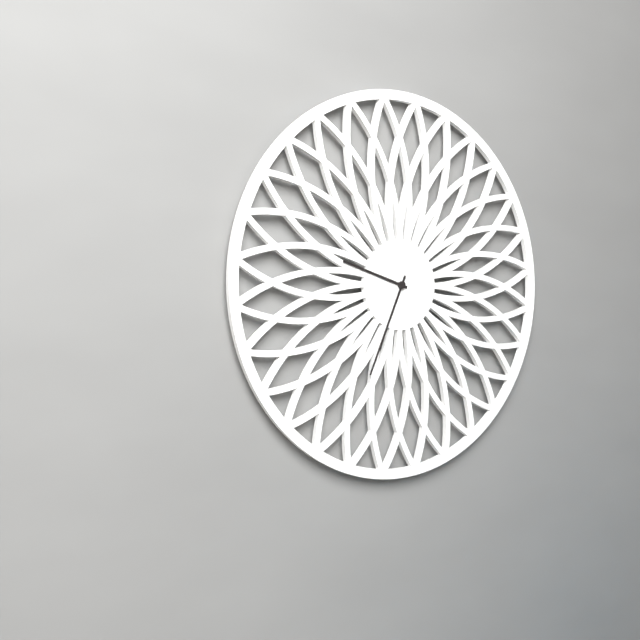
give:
9.34
